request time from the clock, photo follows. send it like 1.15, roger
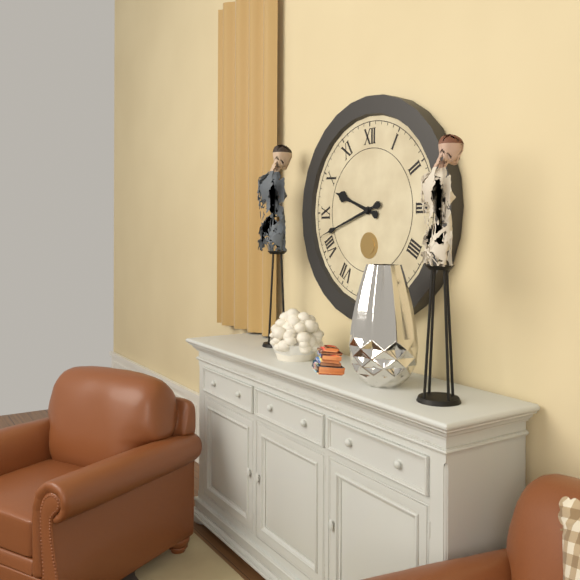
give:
9.42
